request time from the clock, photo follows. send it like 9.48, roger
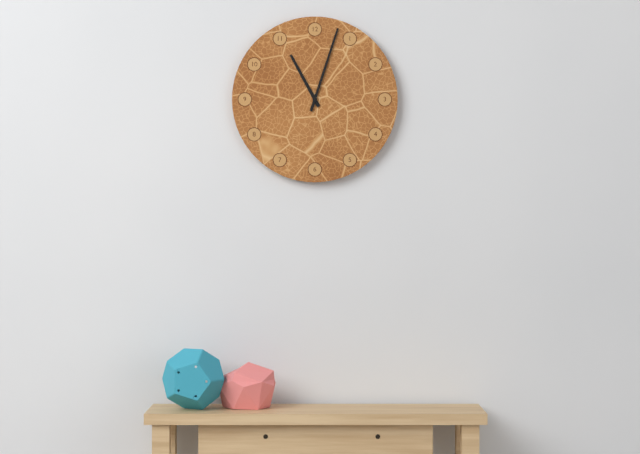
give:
11.03
